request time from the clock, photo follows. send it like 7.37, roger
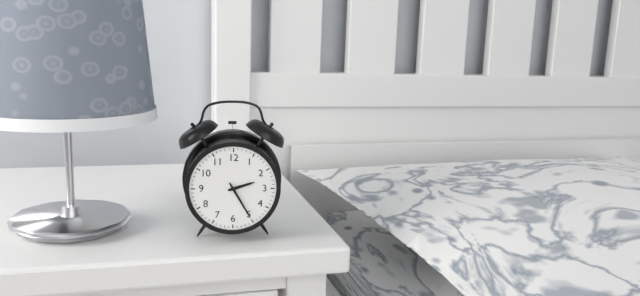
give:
2.25
